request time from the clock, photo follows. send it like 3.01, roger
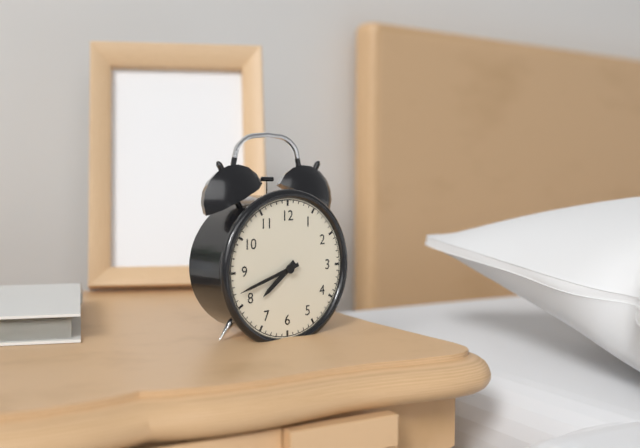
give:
7.42
